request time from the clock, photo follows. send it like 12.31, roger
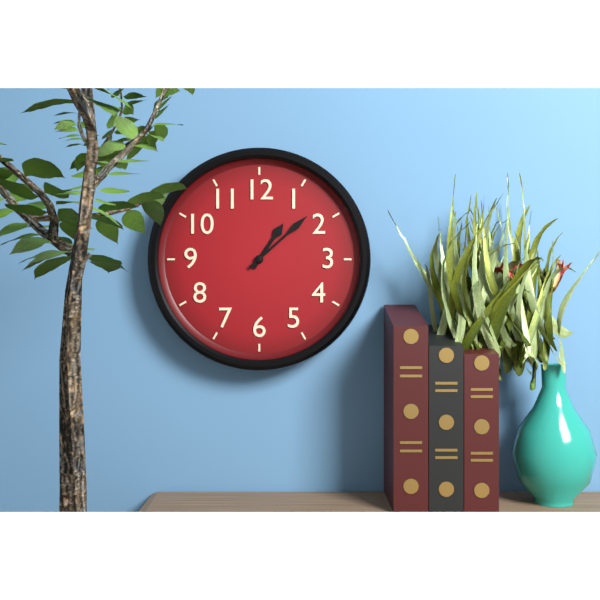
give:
1.08
